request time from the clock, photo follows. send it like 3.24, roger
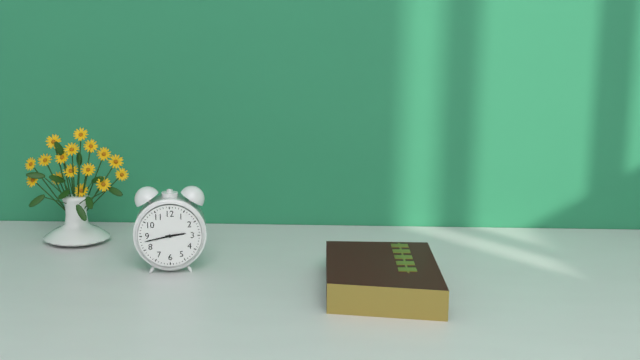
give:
2.43
